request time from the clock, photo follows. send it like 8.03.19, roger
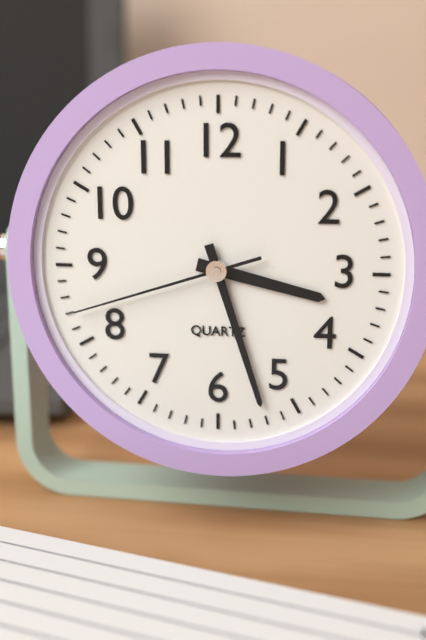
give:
3.27.42
